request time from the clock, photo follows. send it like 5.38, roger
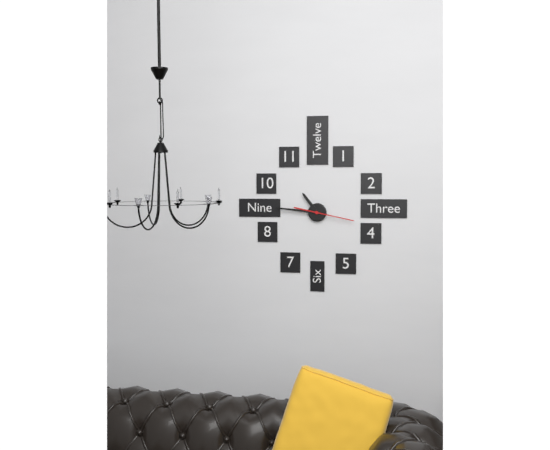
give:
10.46
